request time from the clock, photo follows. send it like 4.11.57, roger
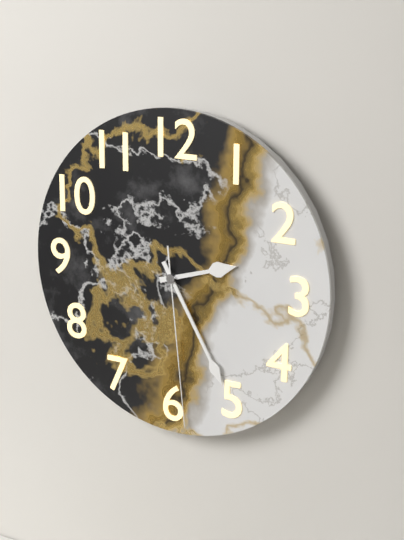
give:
2.25.29
